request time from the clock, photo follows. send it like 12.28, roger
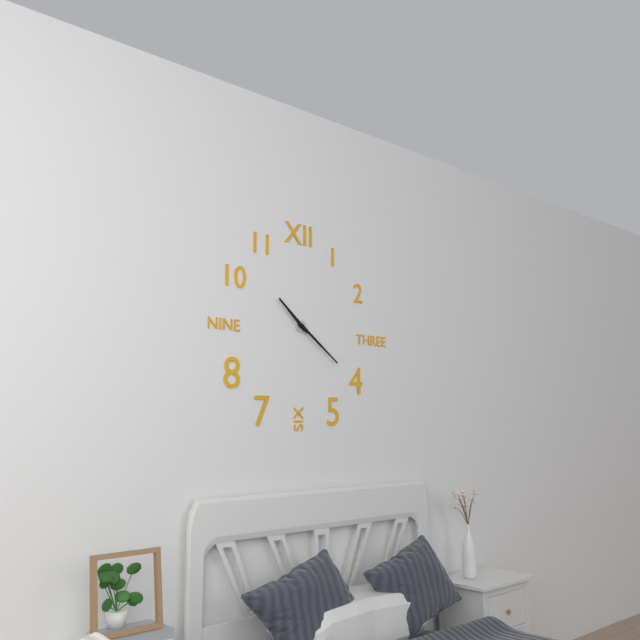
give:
10.21
